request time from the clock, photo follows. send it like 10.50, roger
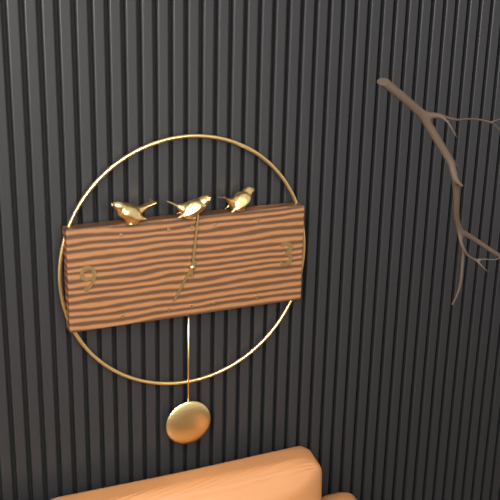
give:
7.01
